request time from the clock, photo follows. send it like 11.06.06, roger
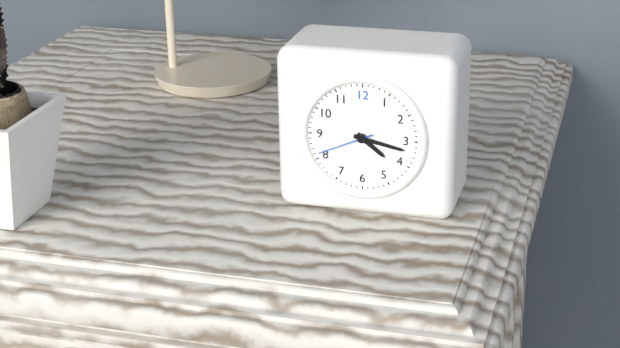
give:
4.17.41
